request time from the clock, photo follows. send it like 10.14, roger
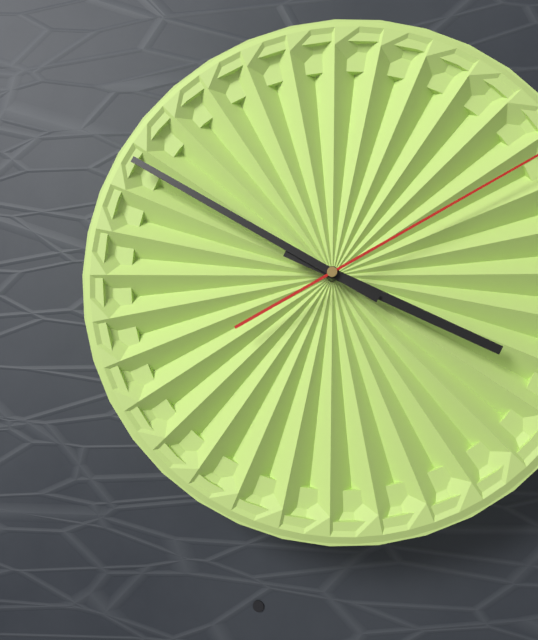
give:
3.50
